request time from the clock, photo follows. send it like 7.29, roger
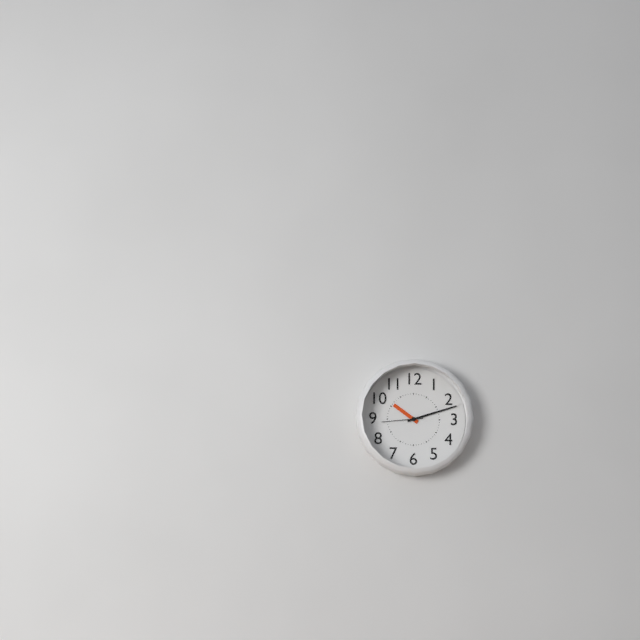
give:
10.12
